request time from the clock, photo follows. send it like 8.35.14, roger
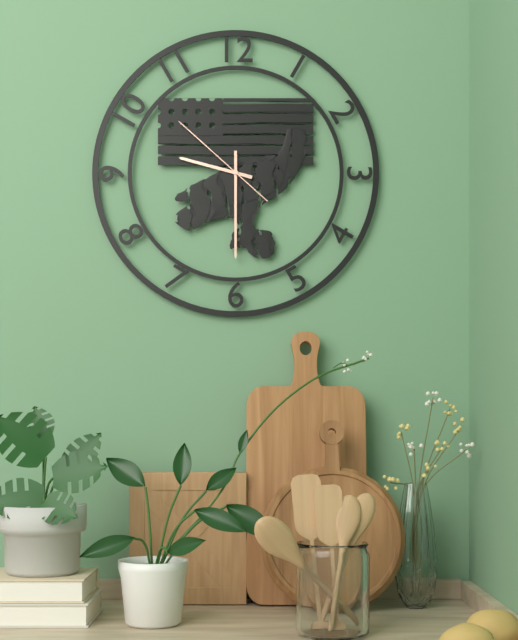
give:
9.30.52
